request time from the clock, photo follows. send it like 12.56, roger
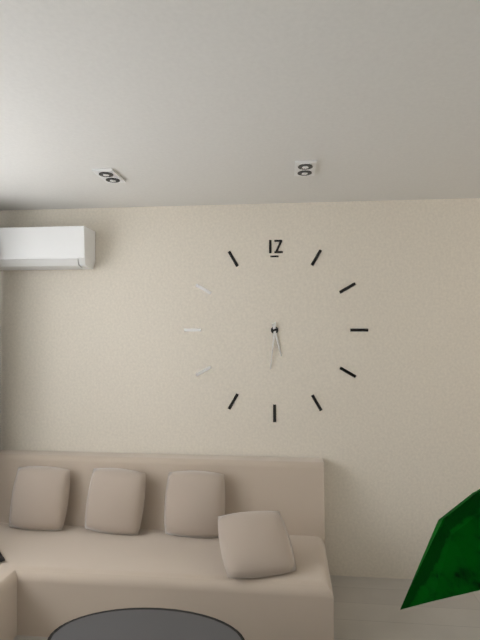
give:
5.31
